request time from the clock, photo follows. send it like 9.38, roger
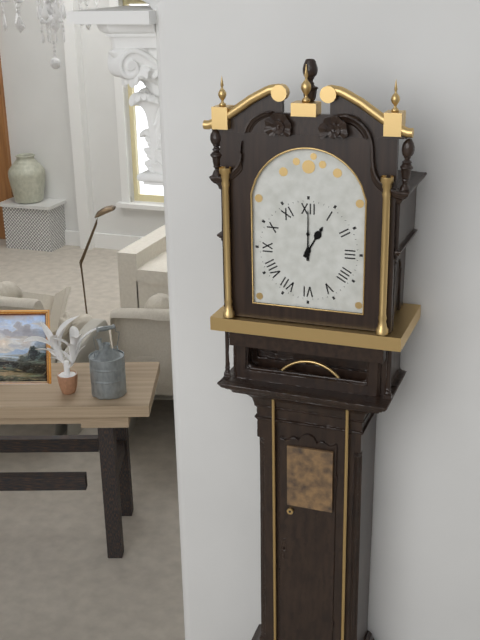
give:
1.00
